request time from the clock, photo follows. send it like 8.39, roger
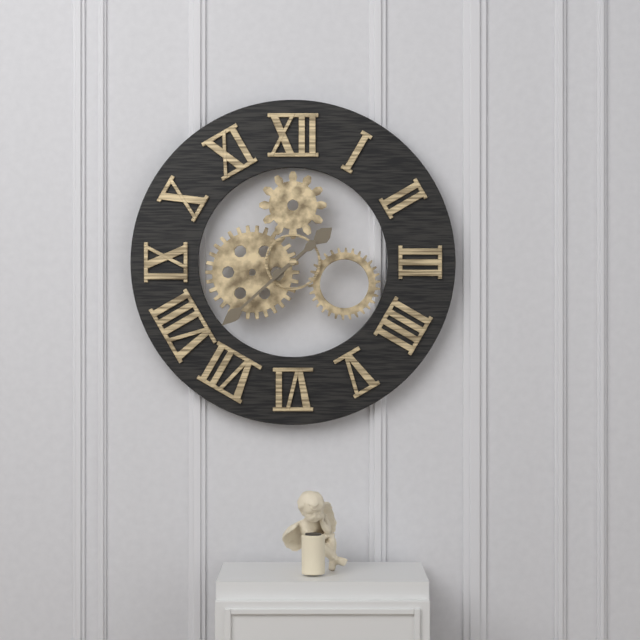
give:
1.38
